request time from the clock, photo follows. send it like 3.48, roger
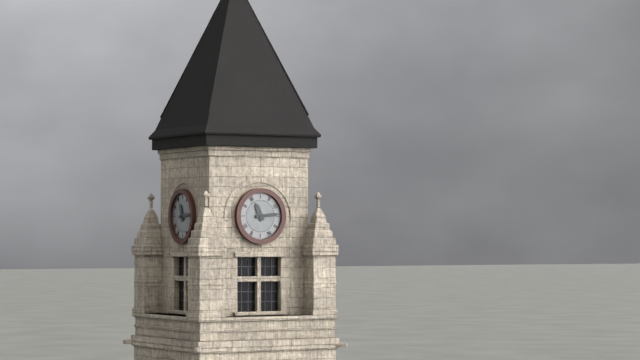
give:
11.14
